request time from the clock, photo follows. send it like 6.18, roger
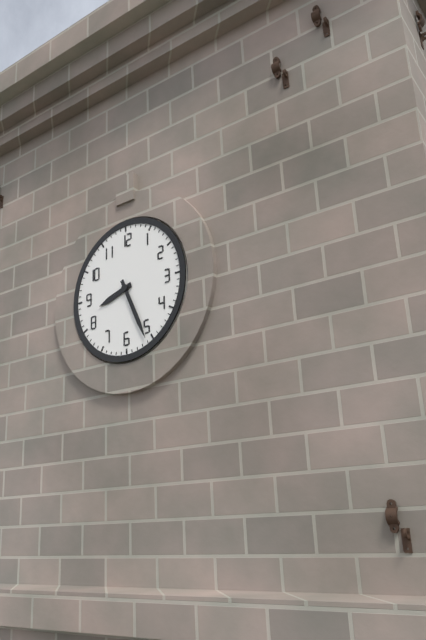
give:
8.26
